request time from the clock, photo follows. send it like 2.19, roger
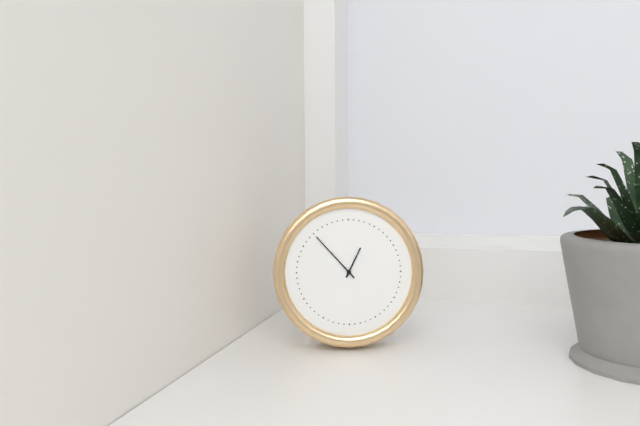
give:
12.53
